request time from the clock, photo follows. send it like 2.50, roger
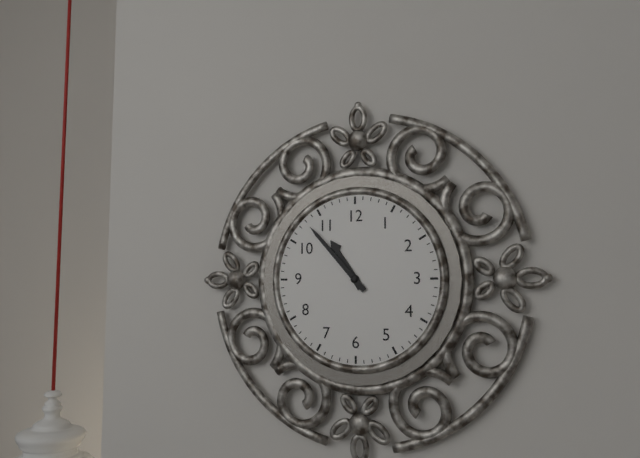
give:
10.53
